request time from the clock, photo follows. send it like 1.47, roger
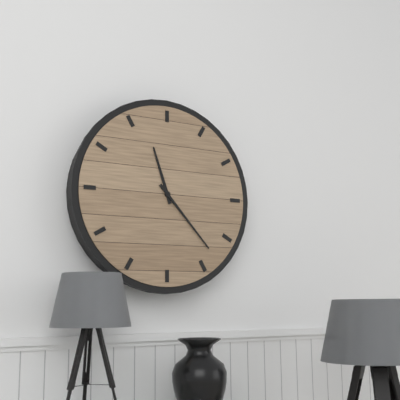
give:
11.23
